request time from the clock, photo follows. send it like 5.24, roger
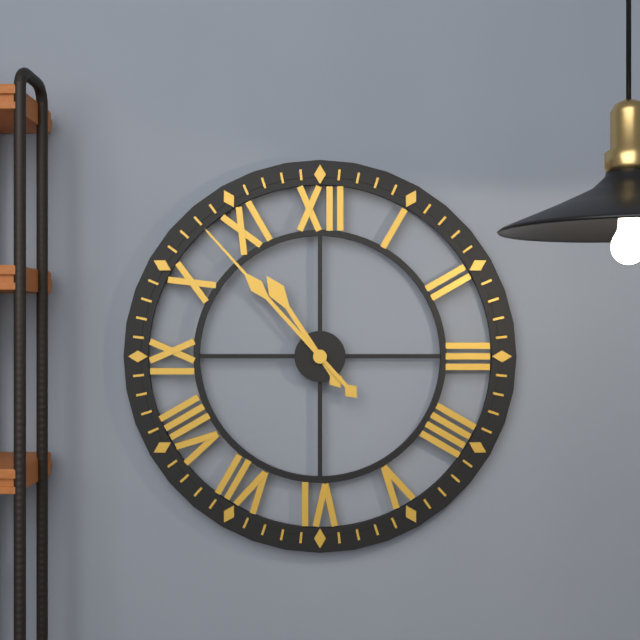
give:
10.53
